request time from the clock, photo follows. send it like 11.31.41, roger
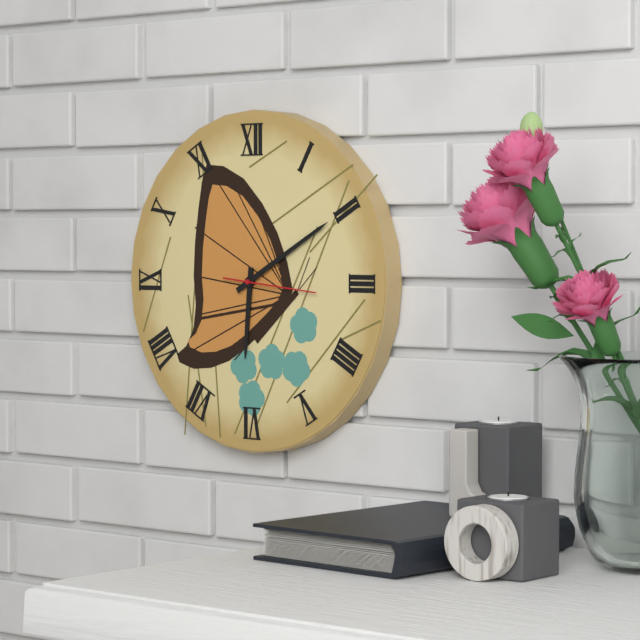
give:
6.10.16
